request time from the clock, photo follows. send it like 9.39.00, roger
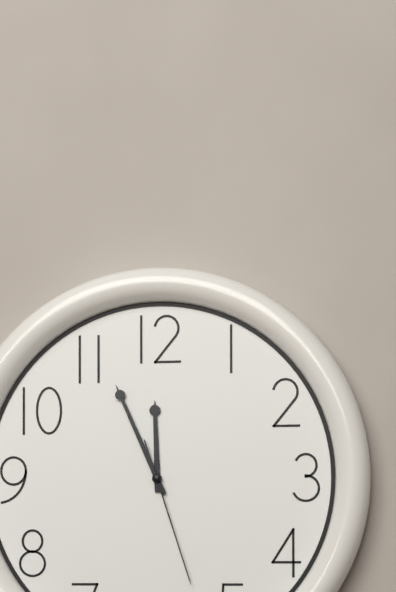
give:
11.56.27
